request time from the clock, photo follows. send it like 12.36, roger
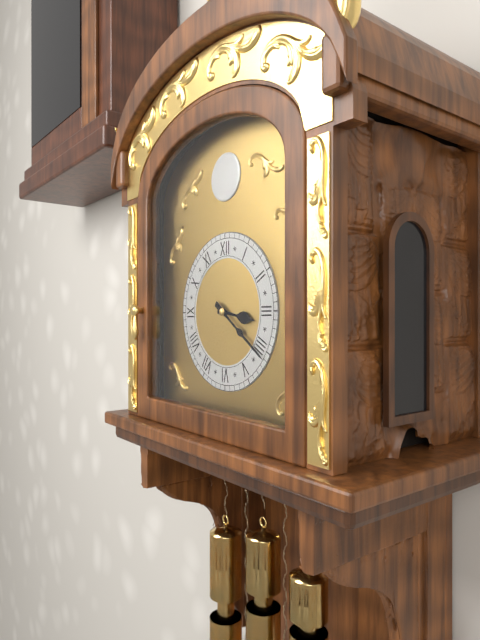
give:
3.21
